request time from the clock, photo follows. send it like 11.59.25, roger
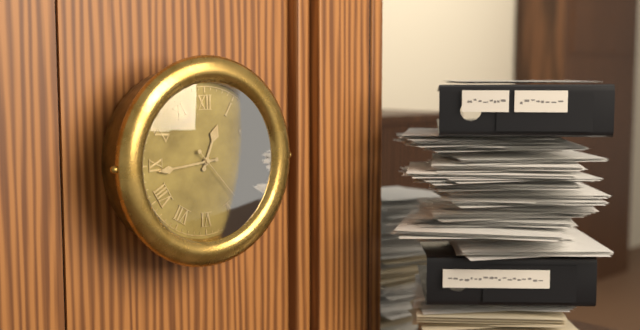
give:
12.44.23
